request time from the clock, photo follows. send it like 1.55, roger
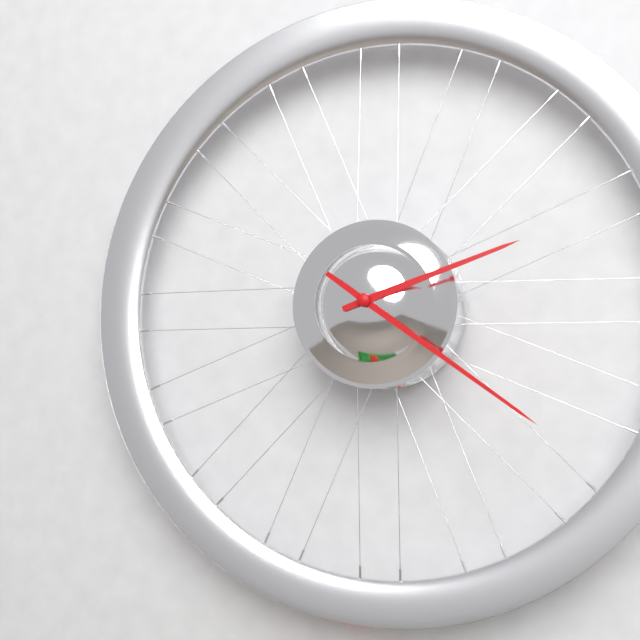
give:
2.21
